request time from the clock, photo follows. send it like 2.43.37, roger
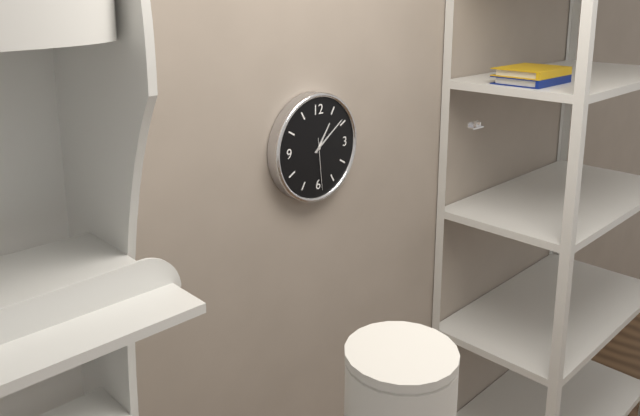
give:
1.09.29
